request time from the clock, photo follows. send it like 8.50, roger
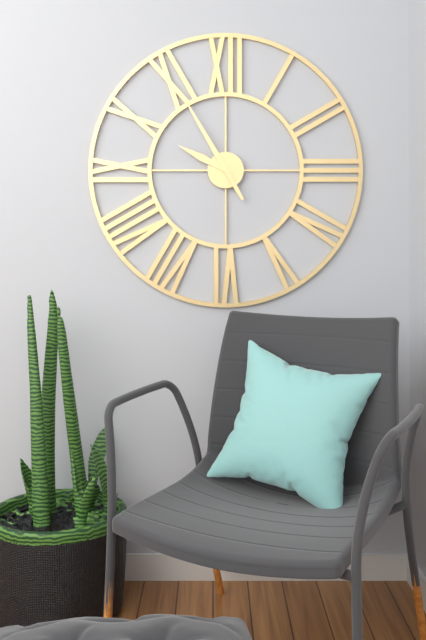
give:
9.55
